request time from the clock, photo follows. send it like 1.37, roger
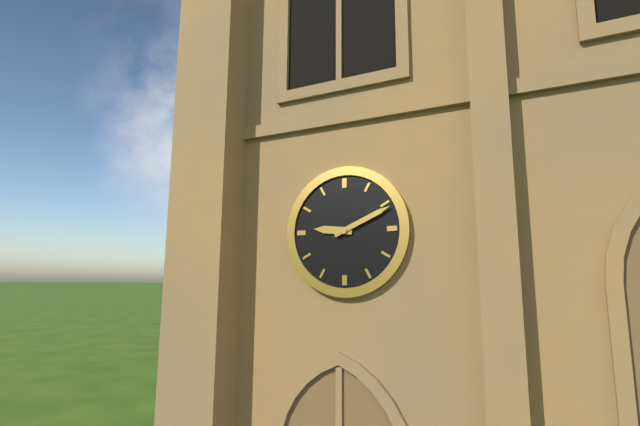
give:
9.11
